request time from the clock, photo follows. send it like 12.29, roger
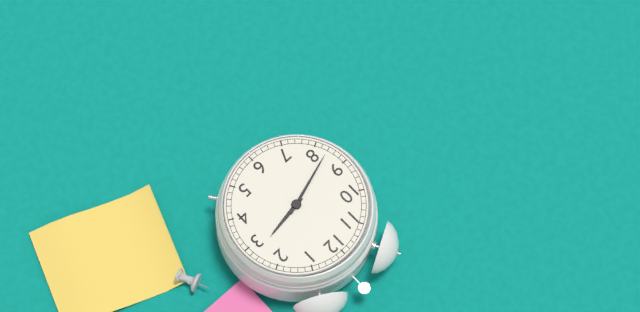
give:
2.42
